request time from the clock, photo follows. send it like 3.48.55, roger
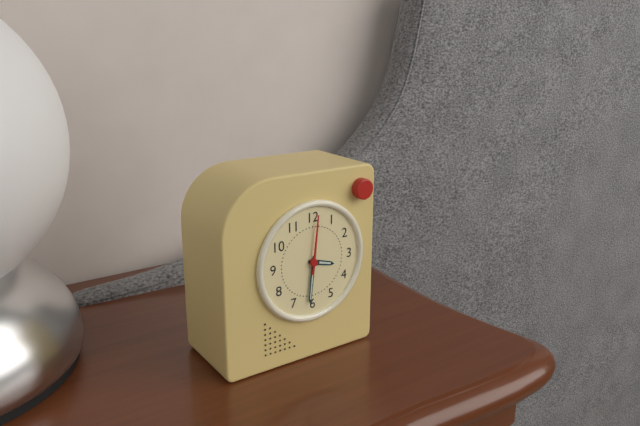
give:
3.31.01
